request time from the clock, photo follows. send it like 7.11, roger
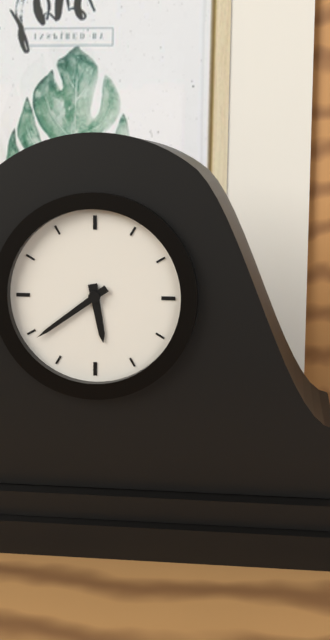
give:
5.39
